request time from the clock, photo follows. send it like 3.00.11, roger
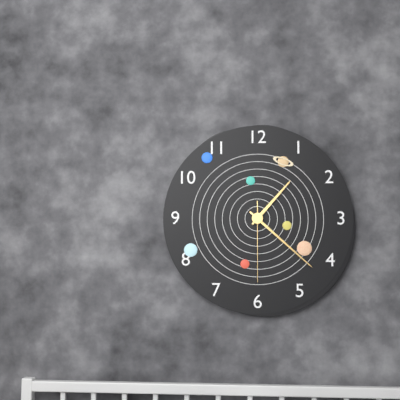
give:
1.22.30
